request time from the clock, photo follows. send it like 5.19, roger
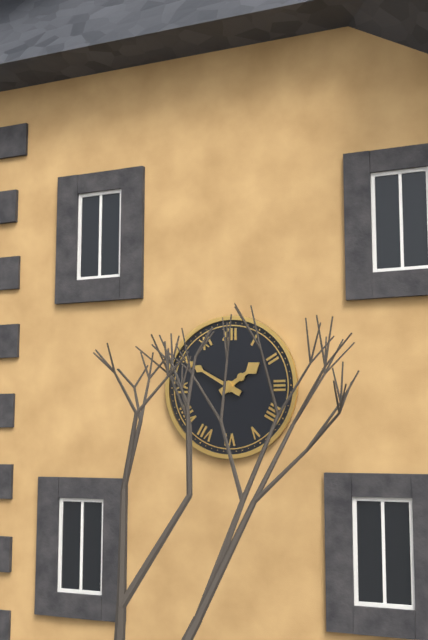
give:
1.50
